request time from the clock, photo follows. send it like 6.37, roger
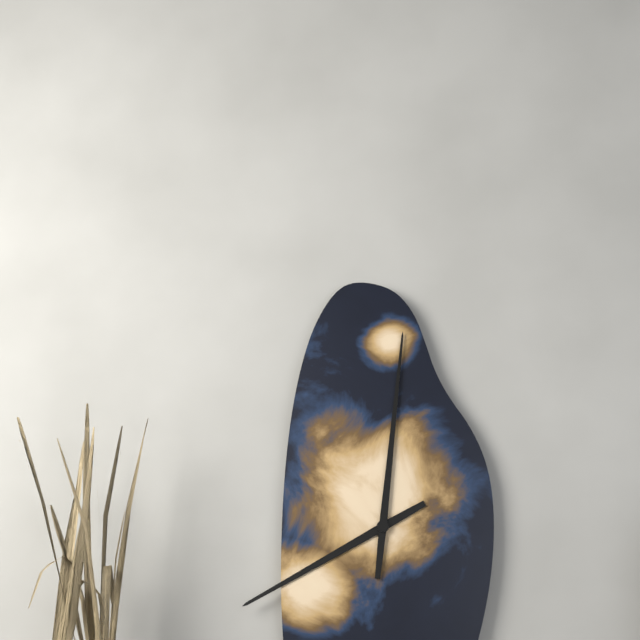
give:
8.01
